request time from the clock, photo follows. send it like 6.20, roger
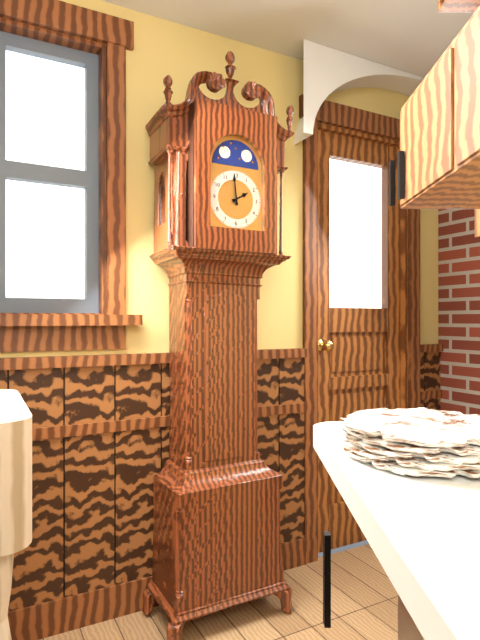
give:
1.59
